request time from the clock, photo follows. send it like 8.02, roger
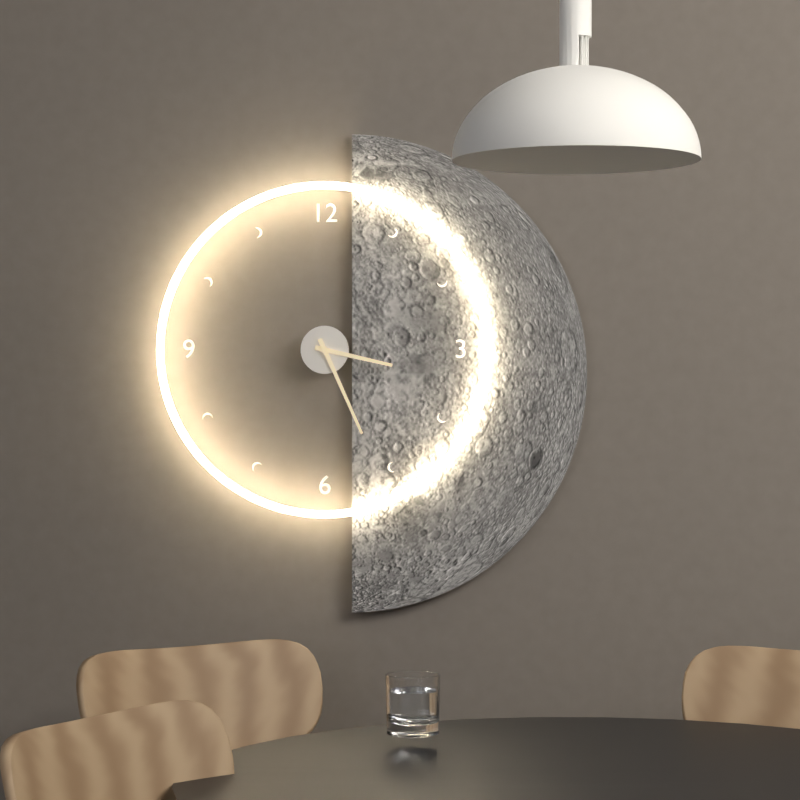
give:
3.26
